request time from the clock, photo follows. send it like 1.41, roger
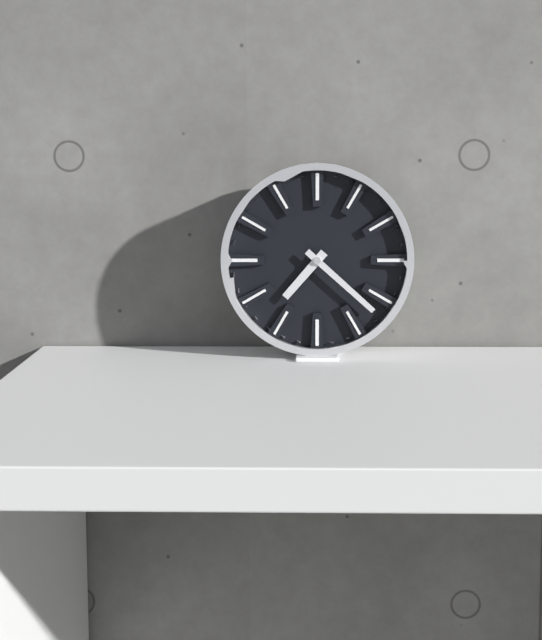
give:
7.22
